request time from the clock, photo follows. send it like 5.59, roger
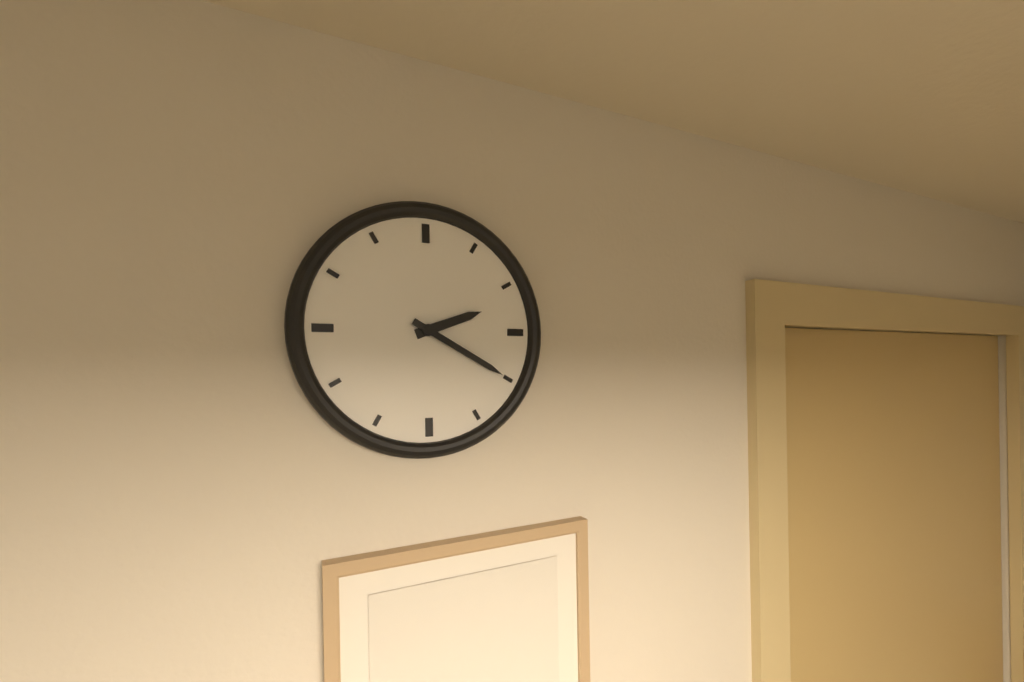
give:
2.20
